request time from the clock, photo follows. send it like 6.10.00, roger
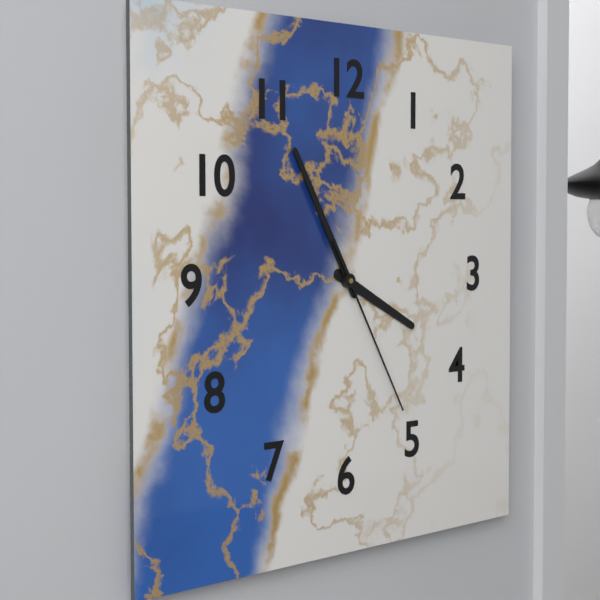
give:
3.55.25
